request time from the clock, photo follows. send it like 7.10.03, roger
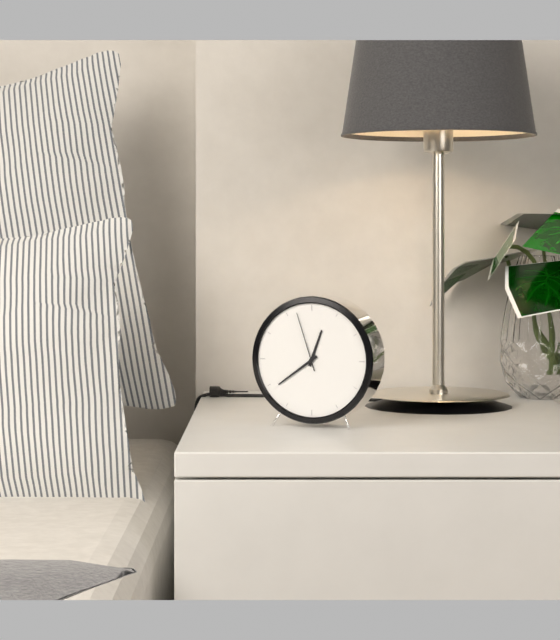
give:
12.39.57
